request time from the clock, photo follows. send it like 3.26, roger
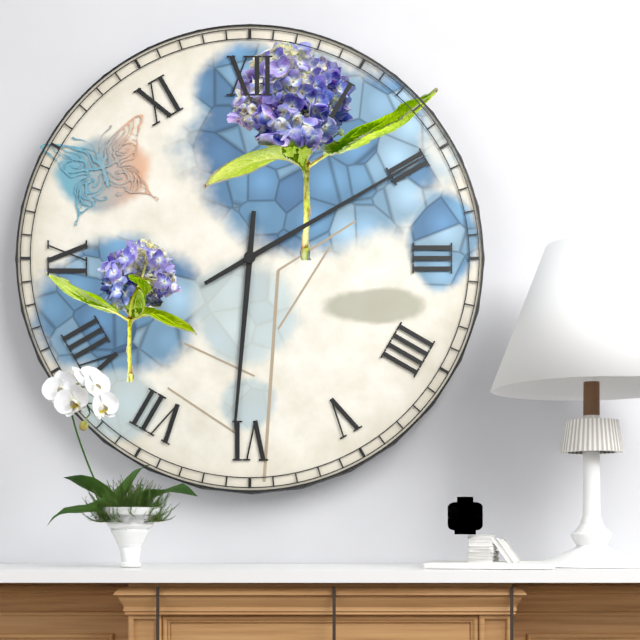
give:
6.10
